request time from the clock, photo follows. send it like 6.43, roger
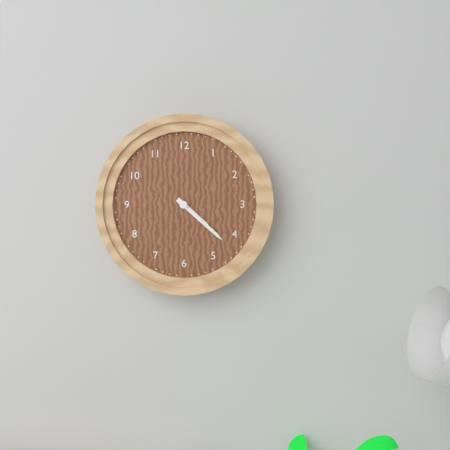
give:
4.22
